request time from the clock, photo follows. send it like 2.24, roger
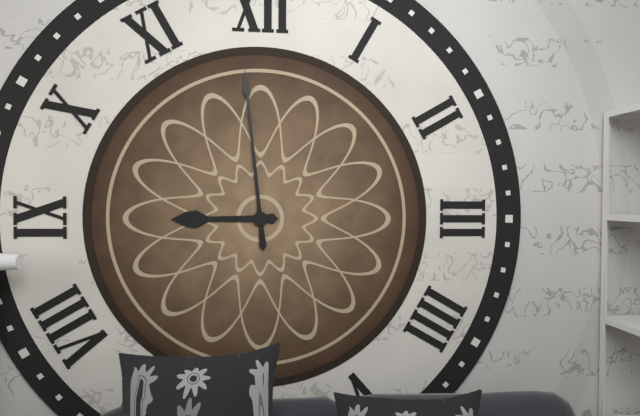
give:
8.59
